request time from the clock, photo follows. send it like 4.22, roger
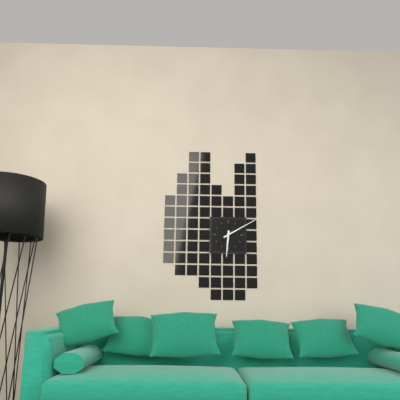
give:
6.10
